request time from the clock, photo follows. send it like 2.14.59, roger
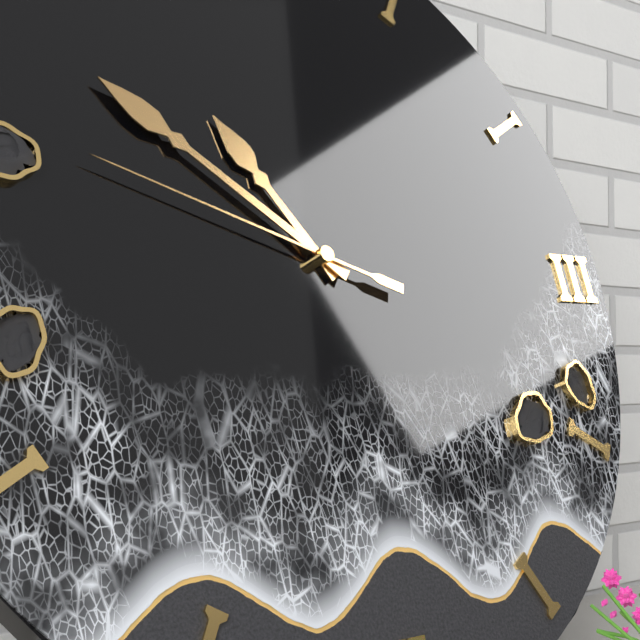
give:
10.51.48
